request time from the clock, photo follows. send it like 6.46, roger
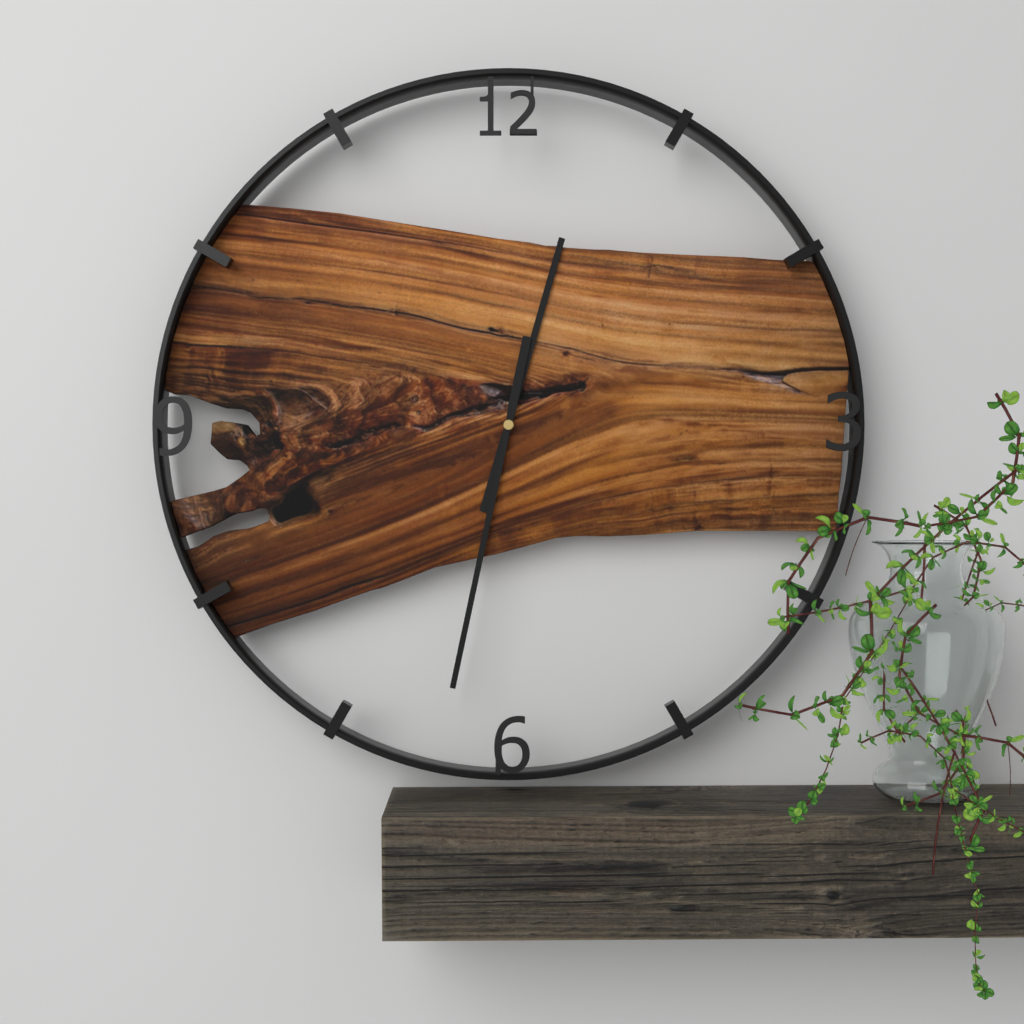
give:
12.32
